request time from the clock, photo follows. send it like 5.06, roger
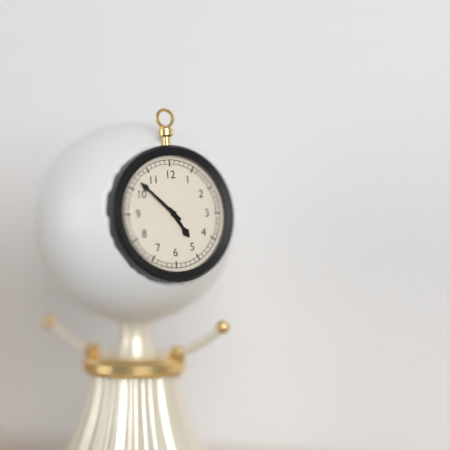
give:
4.52
